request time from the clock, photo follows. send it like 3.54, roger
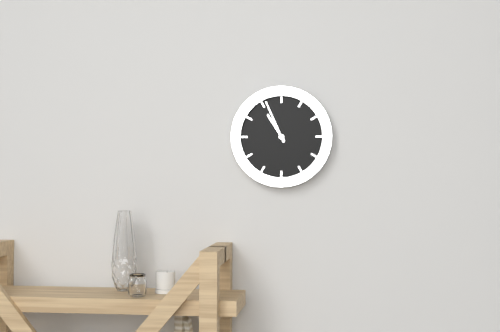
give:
10.56
